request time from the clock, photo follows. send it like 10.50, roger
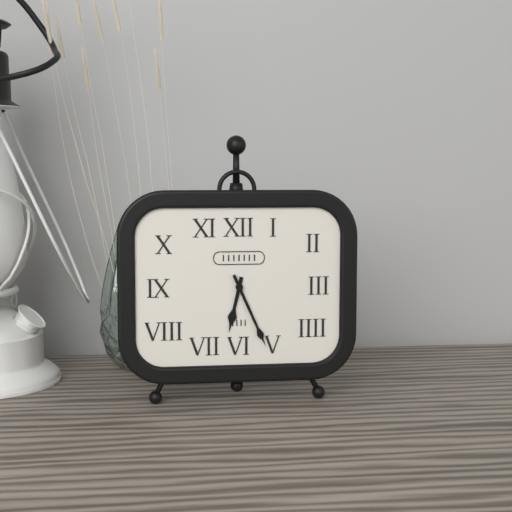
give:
6.26
